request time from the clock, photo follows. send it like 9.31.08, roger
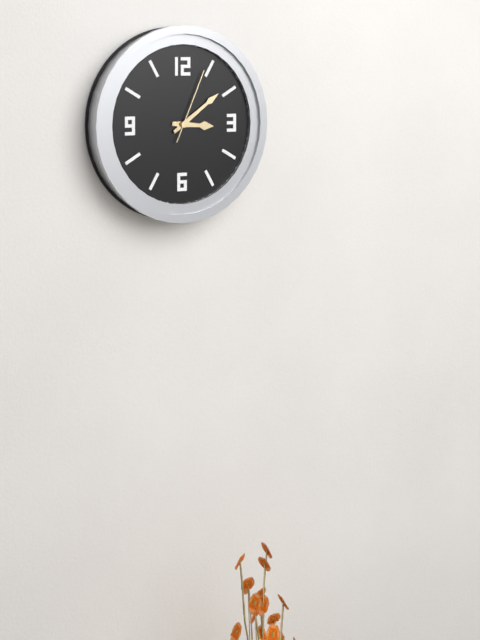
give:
3.09.04
